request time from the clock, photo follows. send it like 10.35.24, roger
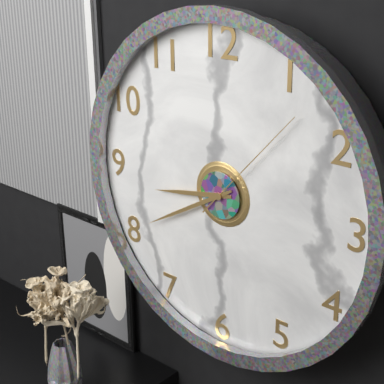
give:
8.40.07
